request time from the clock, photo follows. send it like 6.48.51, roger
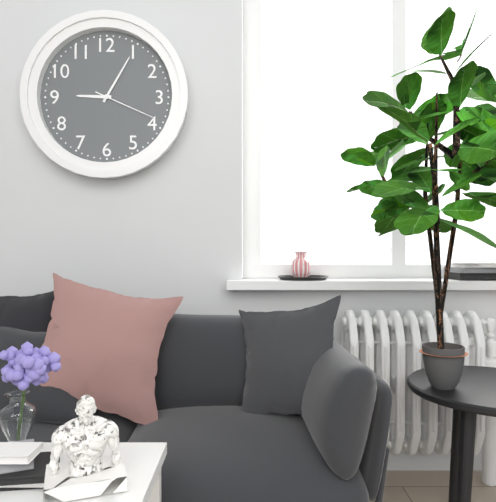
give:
9.05.19
